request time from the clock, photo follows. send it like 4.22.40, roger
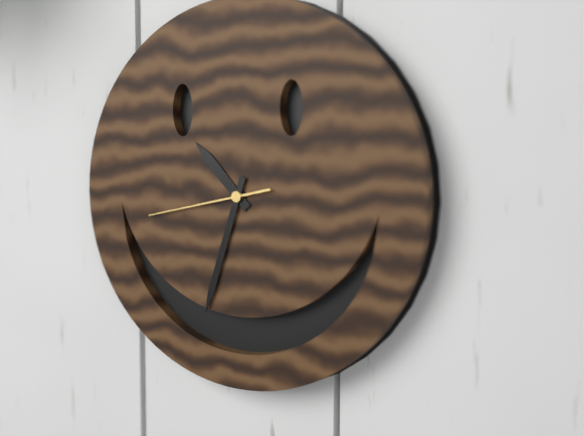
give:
10.33.43
